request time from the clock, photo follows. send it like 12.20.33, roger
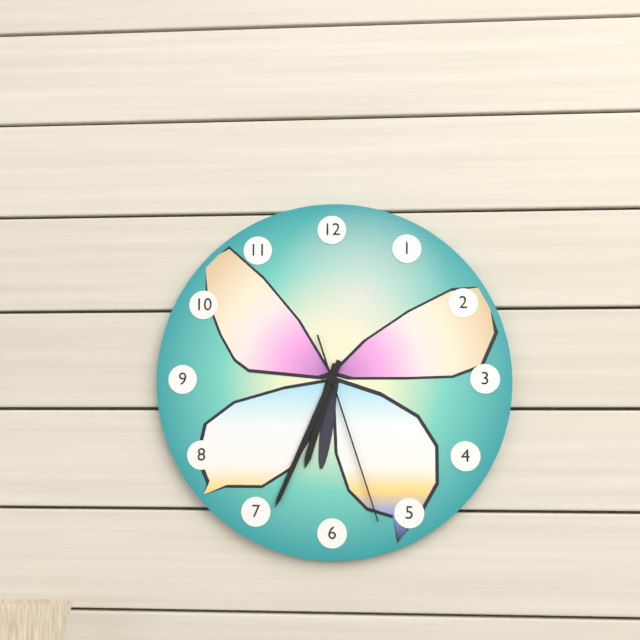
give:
6.34.27
